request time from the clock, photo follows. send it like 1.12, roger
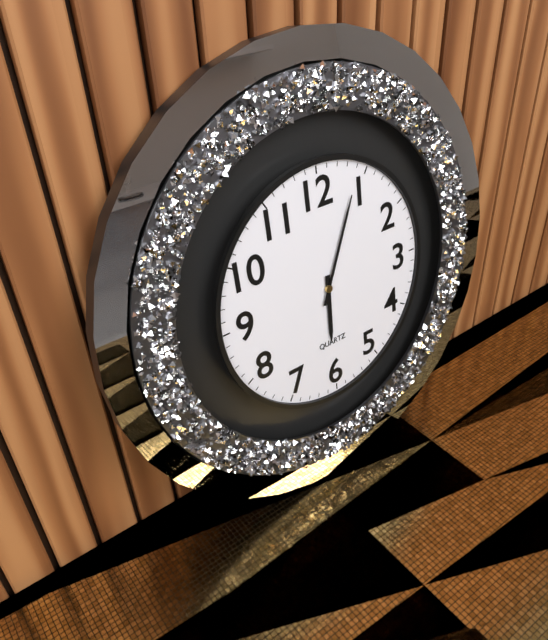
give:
6.04
